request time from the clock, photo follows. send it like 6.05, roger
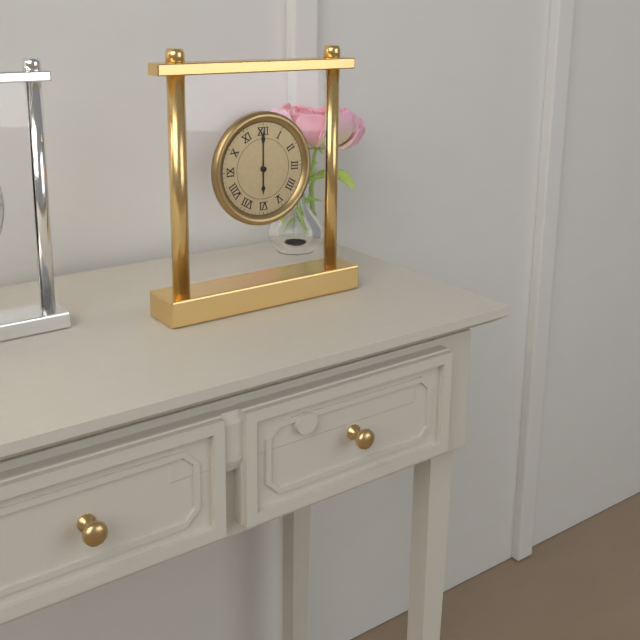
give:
6.00
